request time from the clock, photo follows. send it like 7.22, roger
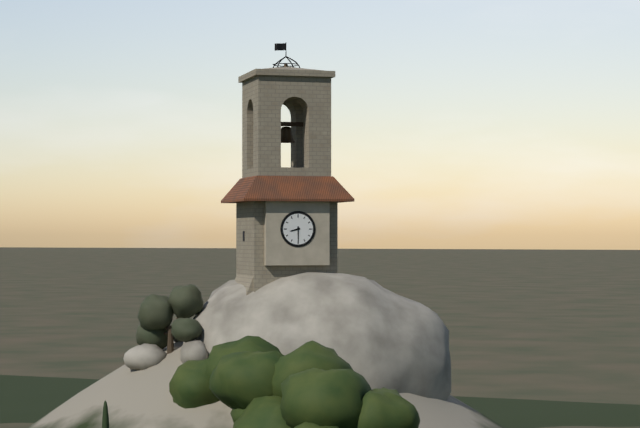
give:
8.30
